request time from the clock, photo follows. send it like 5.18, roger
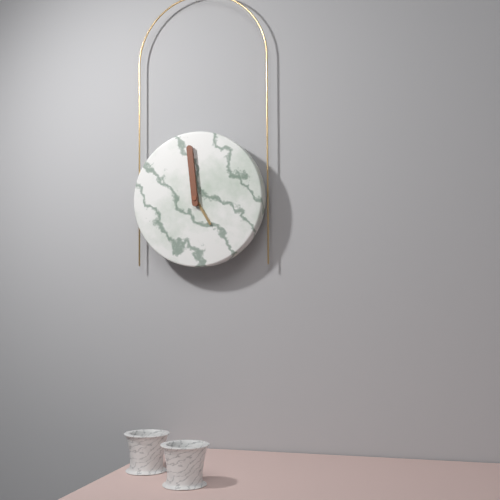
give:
4.59
